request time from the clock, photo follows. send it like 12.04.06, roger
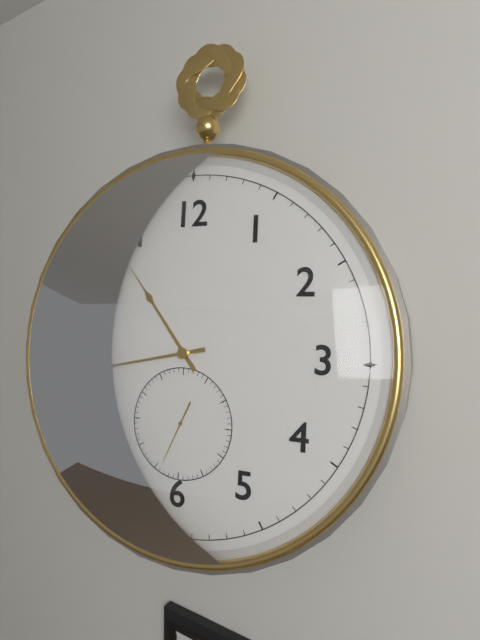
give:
10.43.34
